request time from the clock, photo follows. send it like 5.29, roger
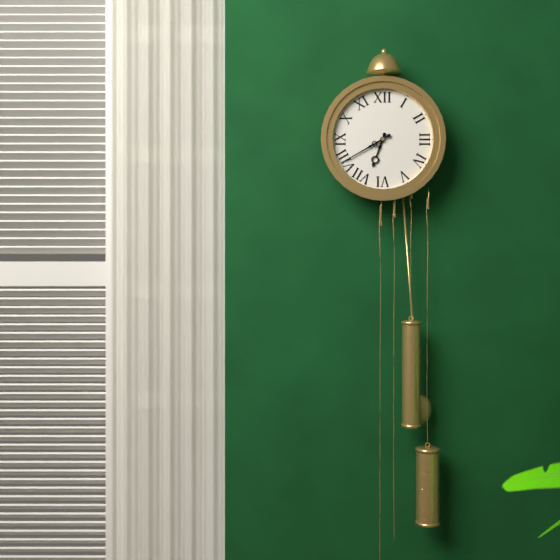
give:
6.40
